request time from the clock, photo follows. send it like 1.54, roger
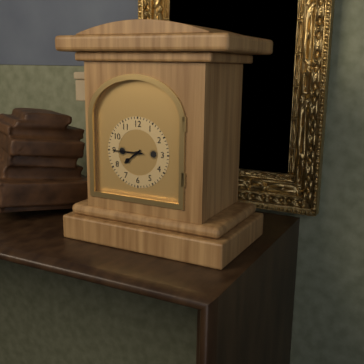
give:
7.45
